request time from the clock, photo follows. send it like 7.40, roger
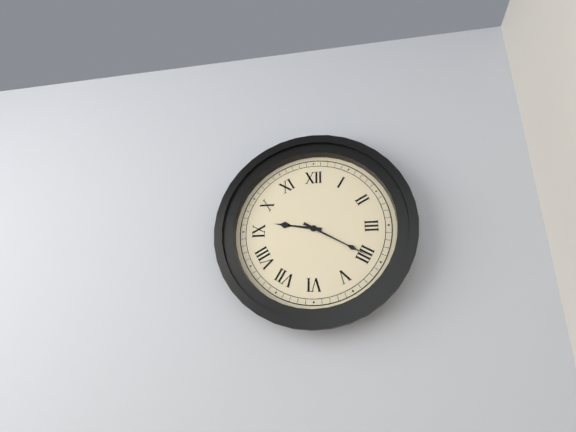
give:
9.20
